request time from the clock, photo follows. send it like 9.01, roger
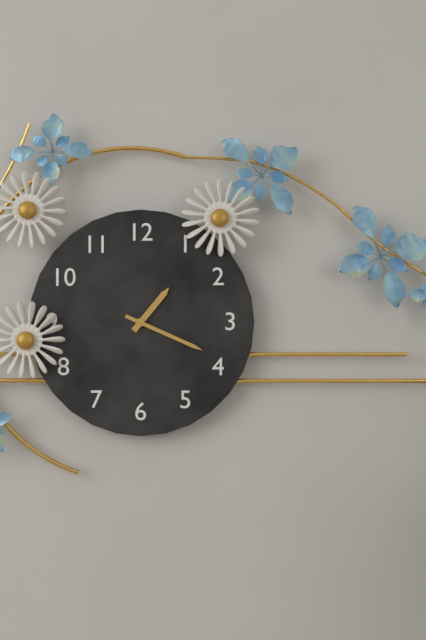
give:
1.19
